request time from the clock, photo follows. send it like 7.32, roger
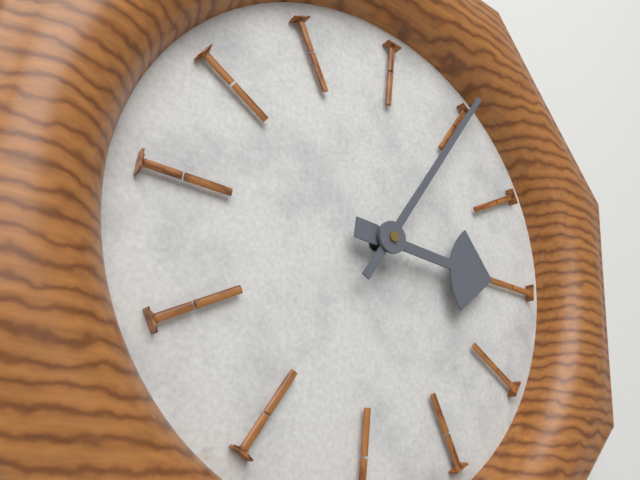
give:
3.05
